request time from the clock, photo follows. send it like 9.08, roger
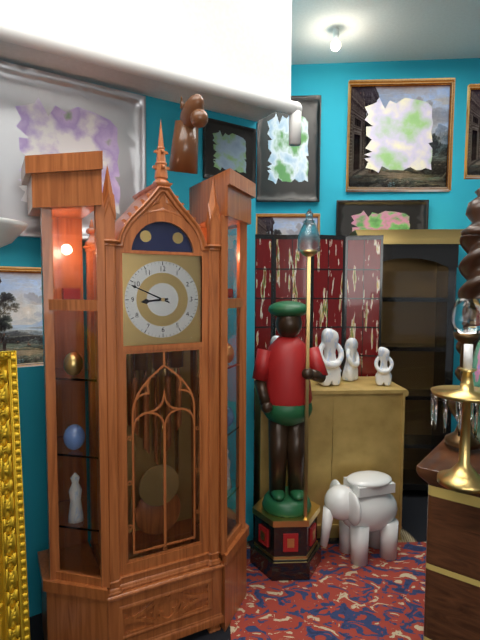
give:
8.49
